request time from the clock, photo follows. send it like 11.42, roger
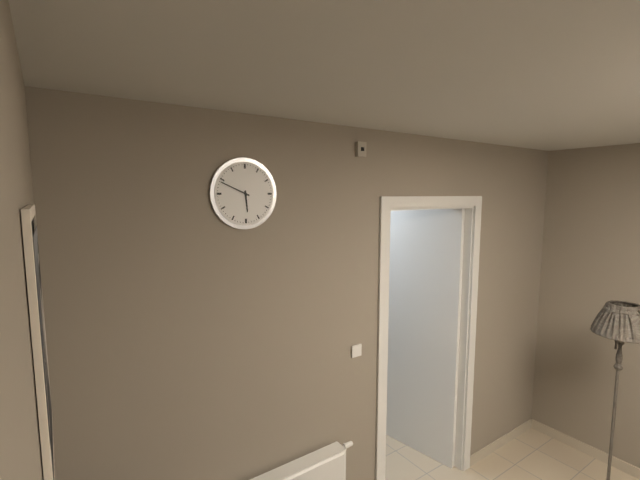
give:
5.49
